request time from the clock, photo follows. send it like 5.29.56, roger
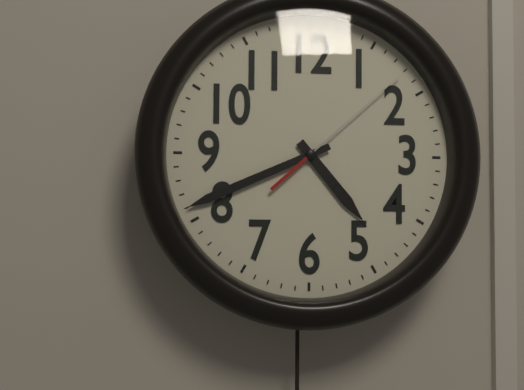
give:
4.41.08
